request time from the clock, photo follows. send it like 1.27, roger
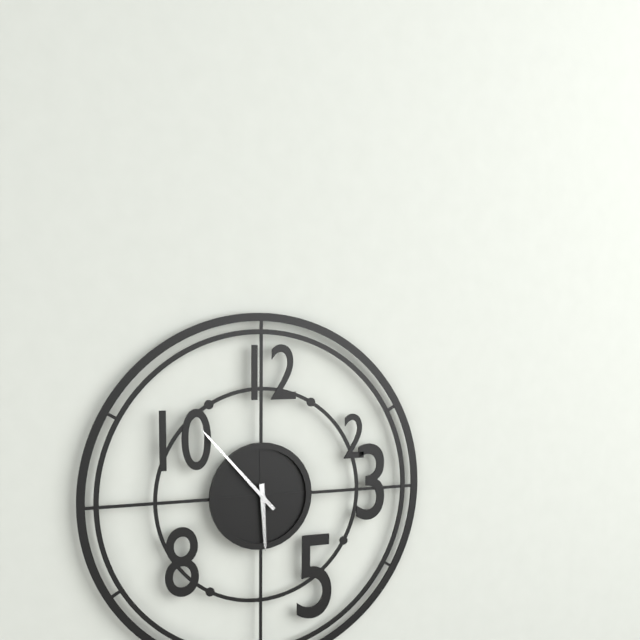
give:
5.53
